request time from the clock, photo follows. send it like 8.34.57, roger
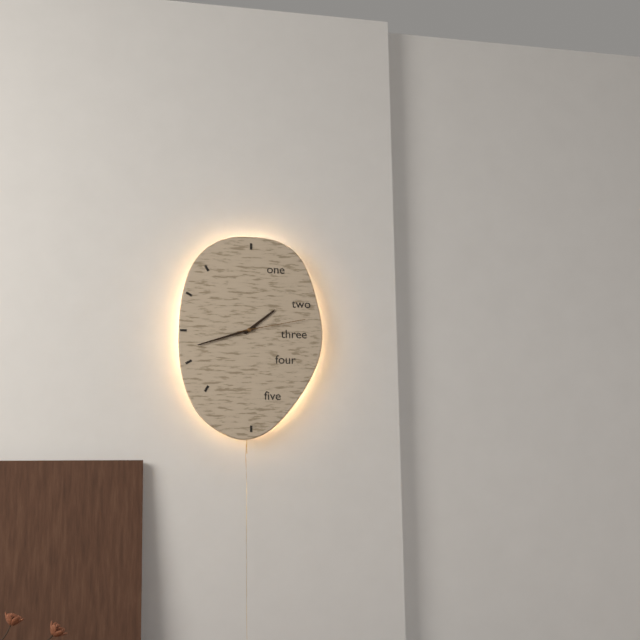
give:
1.42.13
